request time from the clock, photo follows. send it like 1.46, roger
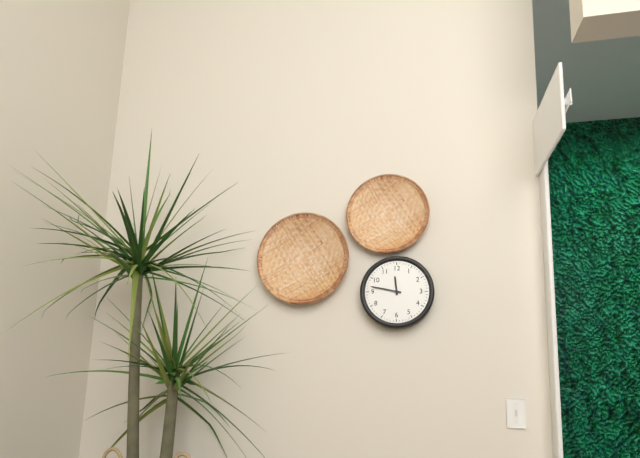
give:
11.47
